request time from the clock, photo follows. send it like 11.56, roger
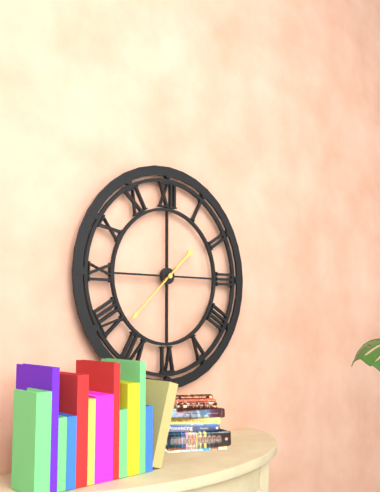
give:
1.38
